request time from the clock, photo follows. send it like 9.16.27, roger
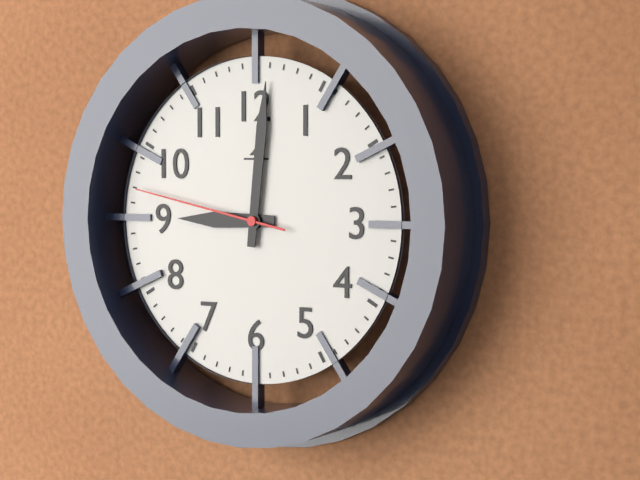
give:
9.01.47
